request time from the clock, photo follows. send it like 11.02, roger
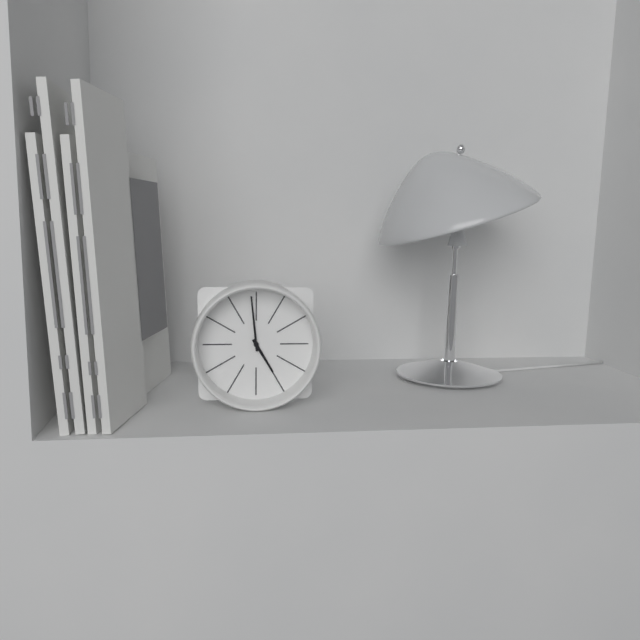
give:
4.59
